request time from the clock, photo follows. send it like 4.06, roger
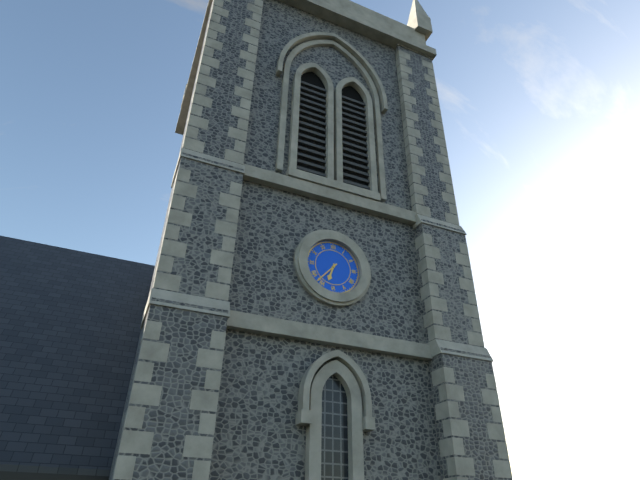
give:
6.37
